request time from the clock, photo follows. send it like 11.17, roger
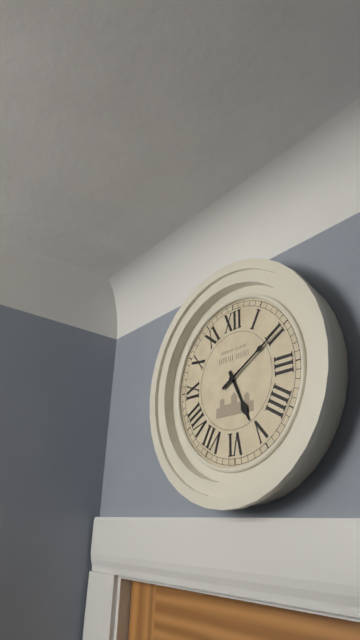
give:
5.10
